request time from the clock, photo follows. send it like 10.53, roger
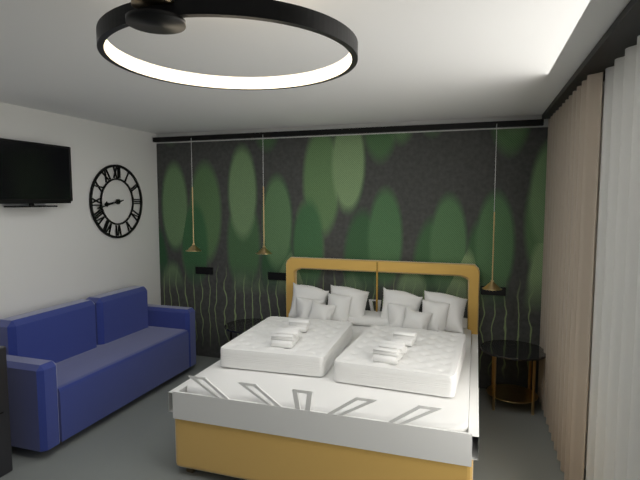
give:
8.43
